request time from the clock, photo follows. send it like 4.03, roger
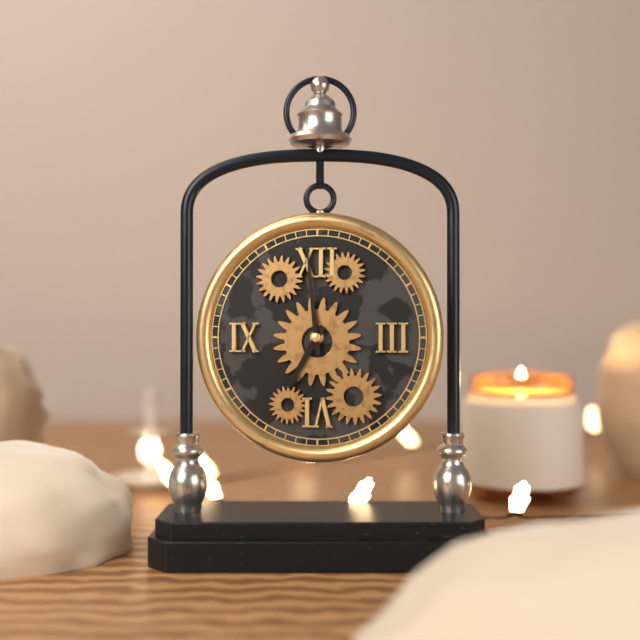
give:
6.59
